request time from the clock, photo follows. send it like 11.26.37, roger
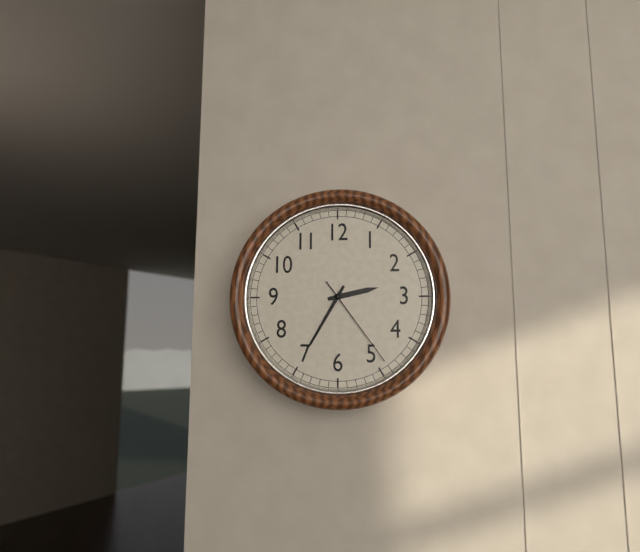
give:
2.35.24
